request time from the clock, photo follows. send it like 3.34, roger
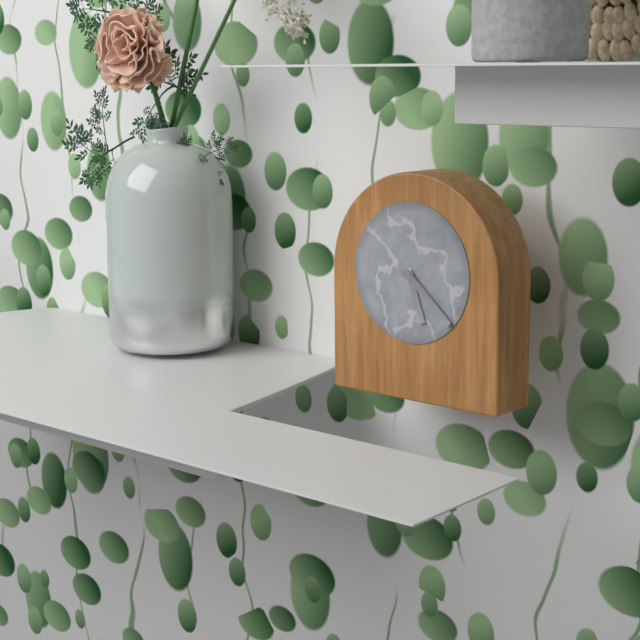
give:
5.22
